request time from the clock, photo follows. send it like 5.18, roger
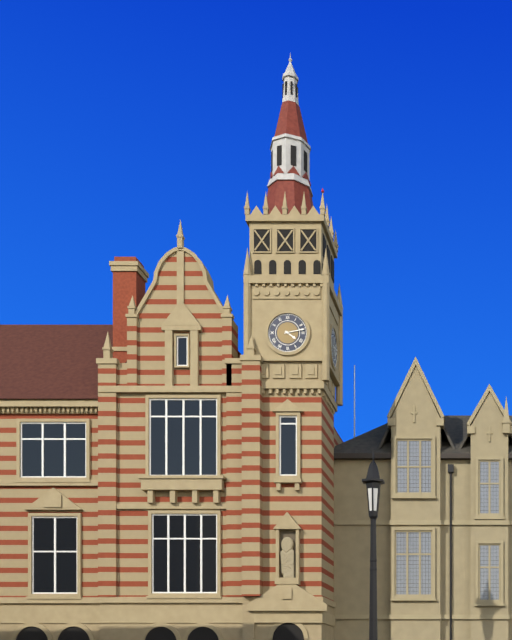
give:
4.13
